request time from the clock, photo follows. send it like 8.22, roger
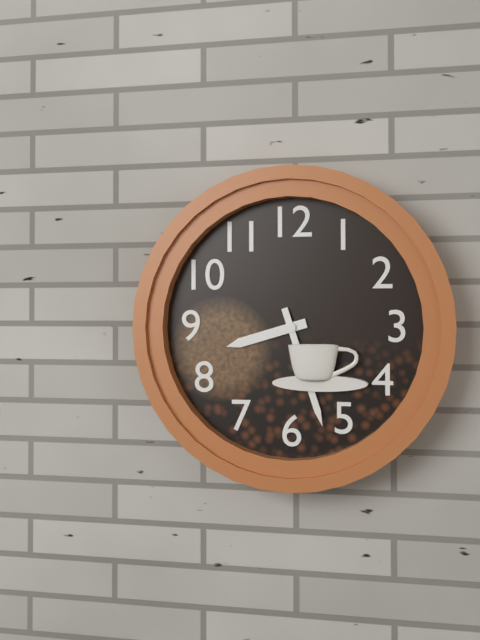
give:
8.27
